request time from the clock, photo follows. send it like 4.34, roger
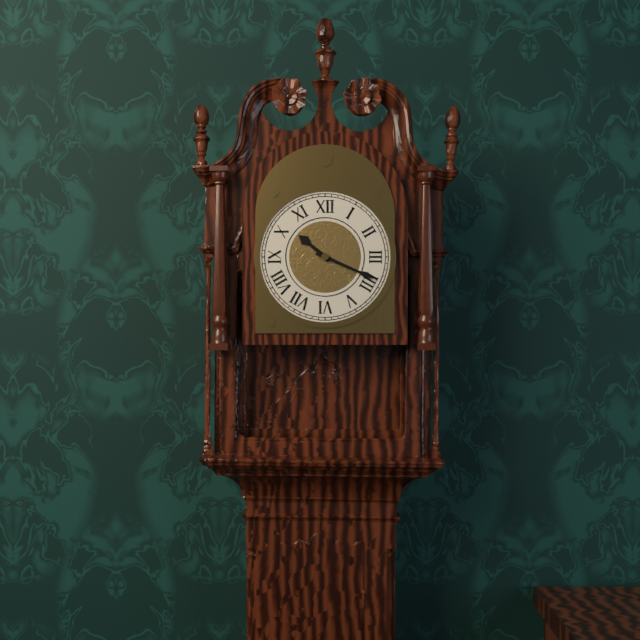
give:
10.19
